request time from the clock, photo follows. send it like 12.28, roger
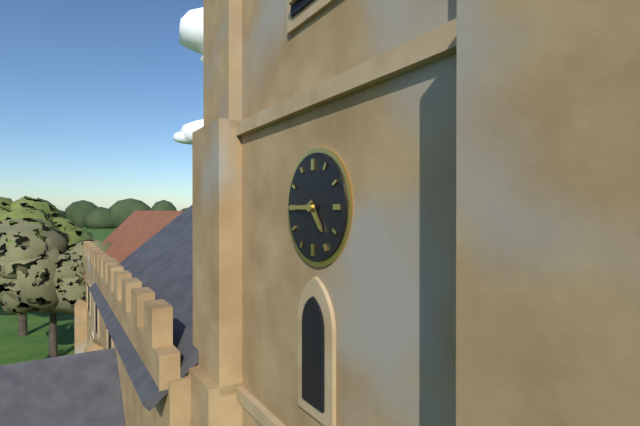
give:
4.45
